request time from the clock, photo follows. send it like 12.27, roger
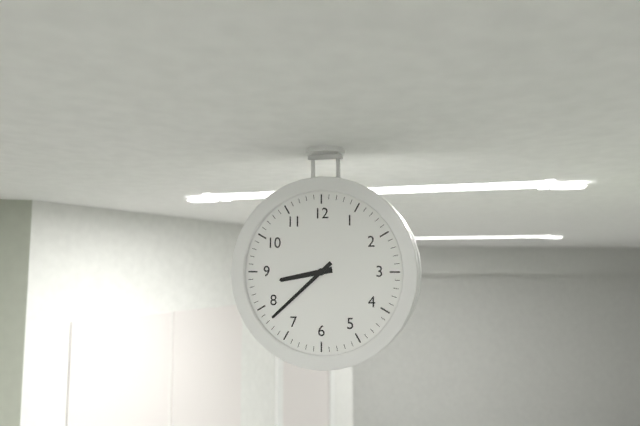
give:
8.38
